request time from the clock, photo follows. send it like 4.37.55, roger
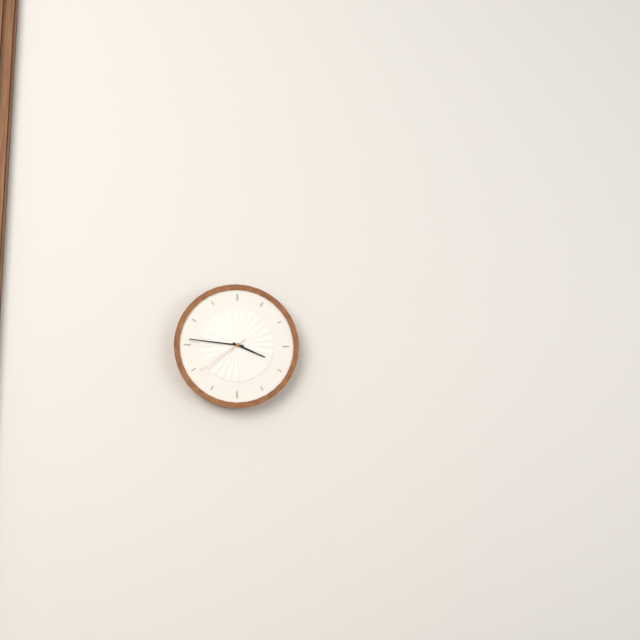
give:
3.46.39
